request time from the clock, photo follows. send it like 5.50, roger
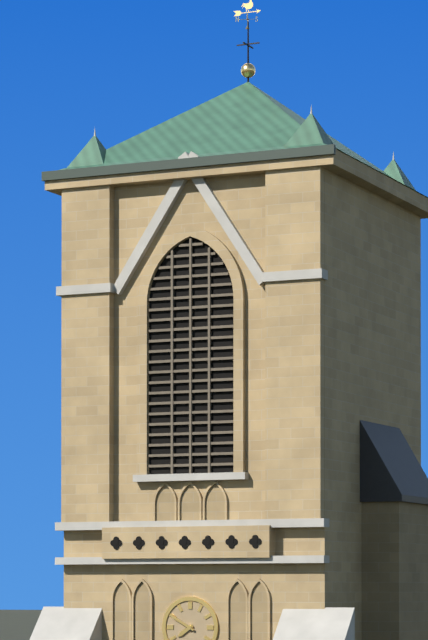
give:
7.50
